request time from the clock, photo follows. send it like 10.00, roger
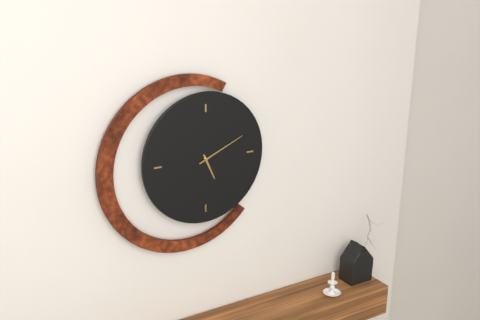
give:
5.11
